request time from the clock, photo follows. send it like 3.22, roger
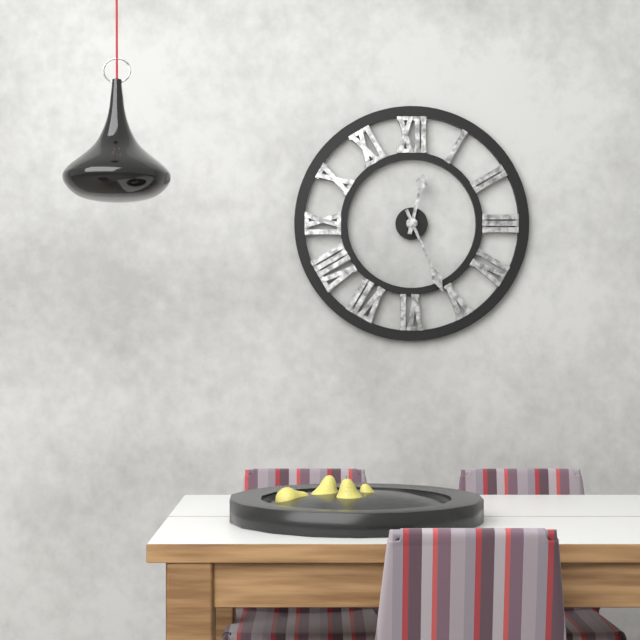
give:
12.26
